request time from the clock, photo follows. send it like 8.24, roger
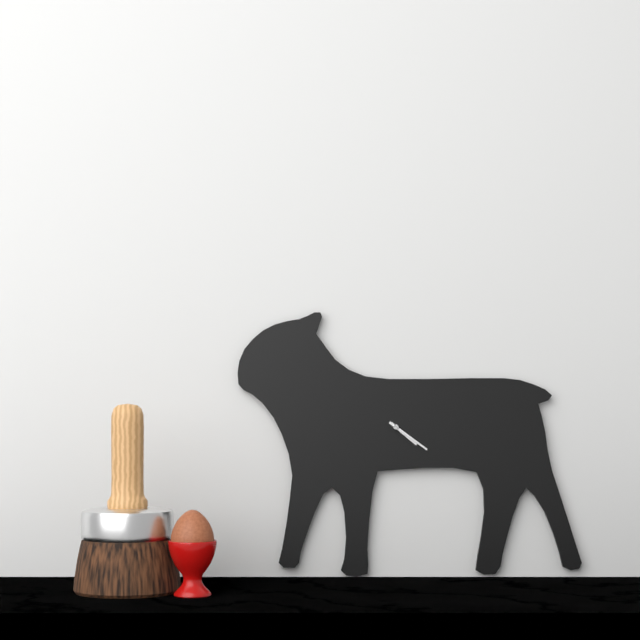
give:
4.21
